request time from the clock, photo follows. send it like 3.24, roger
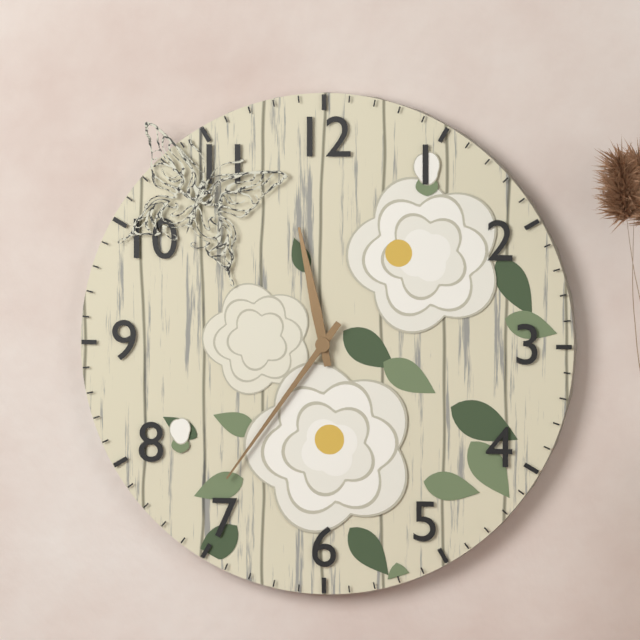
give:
11.36
